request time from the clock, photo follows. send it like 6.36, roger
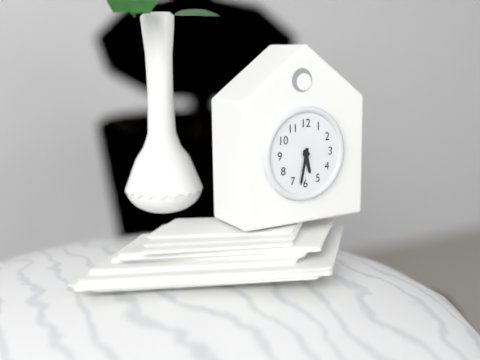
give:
5.32
